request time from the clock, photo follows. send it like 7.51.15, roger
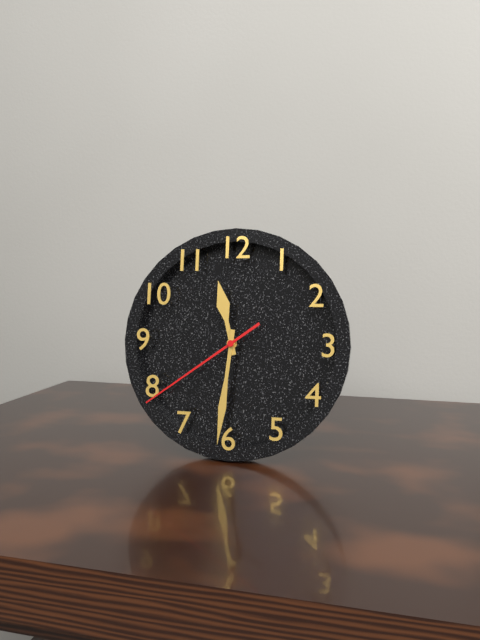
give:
11.31.39
